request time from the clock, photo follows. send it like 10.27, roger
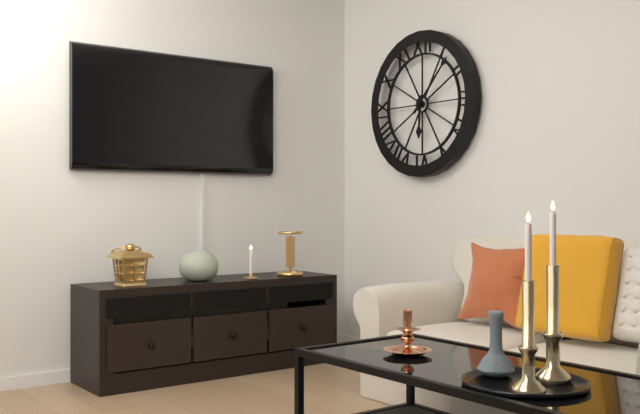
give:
6.07
